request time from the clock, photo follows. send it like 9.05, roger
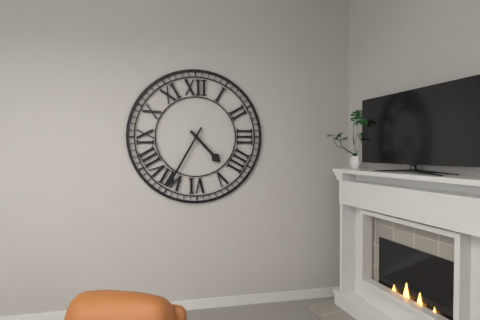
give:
4.35
